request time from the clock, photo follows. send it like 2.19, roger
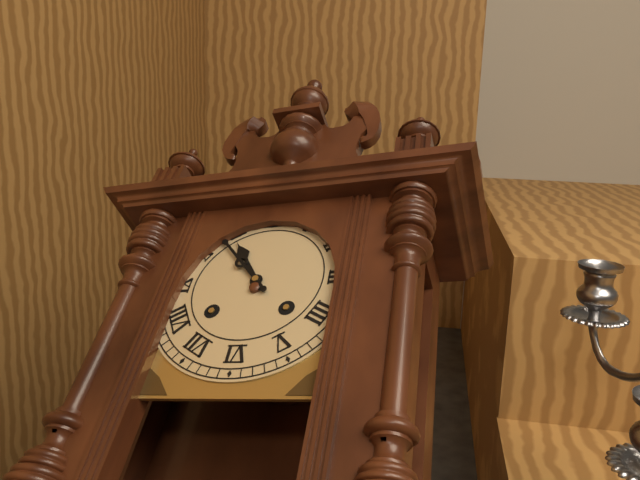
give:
10.53
